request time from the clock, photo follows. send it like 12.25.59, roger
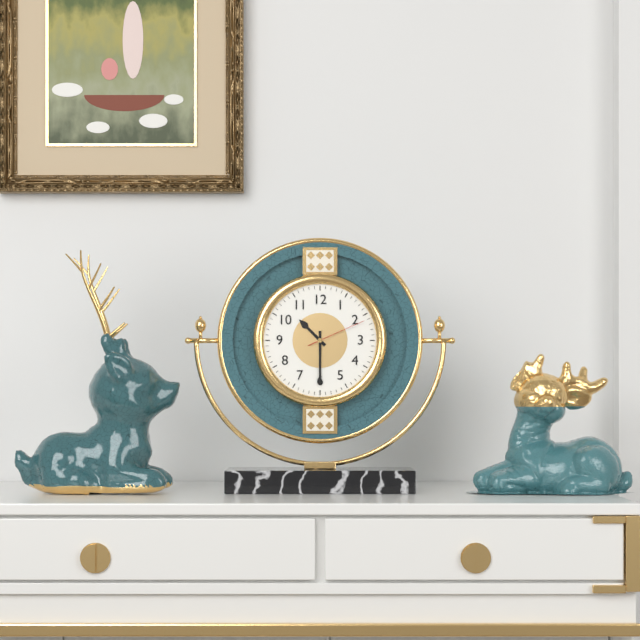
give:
10.30.11
